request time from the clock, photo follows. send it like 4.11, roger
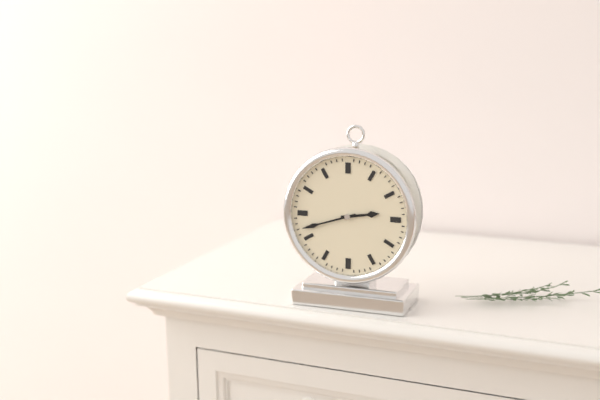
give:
2.42
